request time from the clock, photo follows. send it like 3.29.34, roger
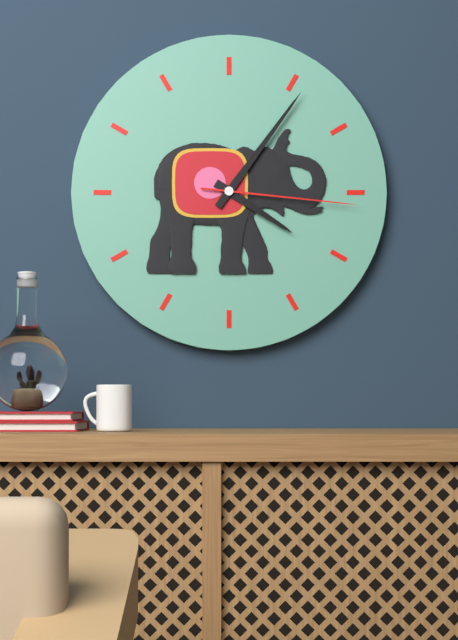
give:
4.06.16
